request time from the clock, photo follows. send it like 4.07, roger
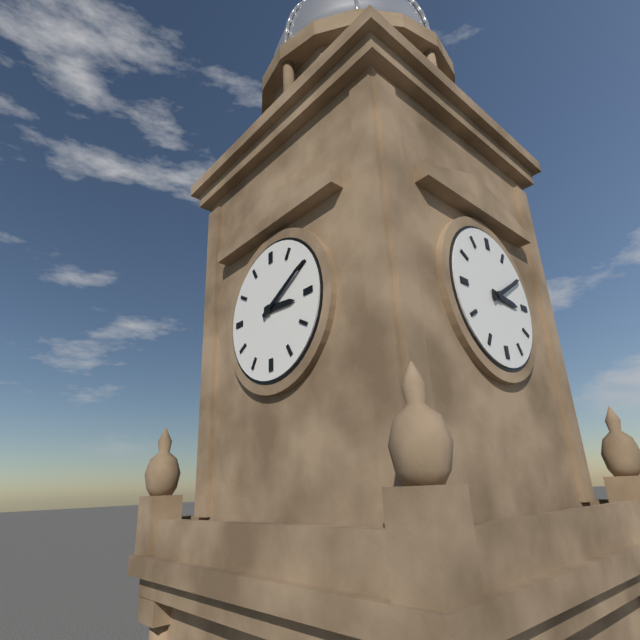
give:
3.10
